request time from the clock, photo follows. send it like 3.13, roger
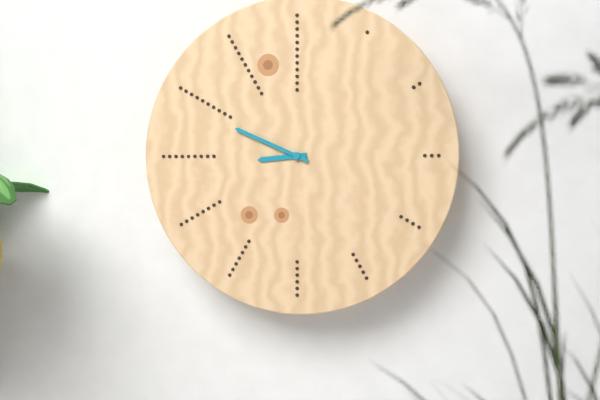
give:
8.49
